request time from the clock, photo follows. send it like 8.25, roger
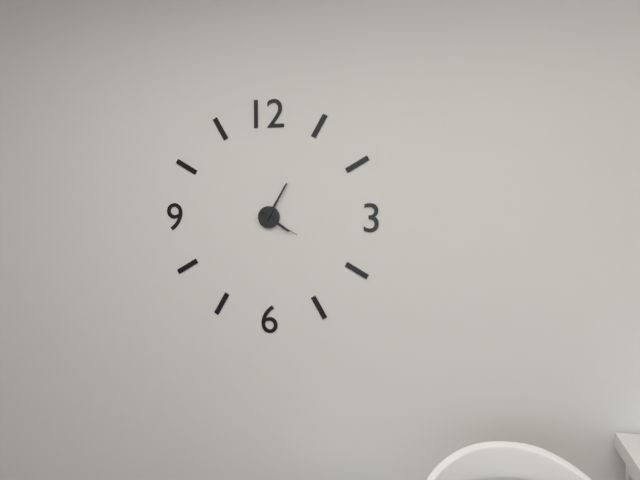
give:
4.05
